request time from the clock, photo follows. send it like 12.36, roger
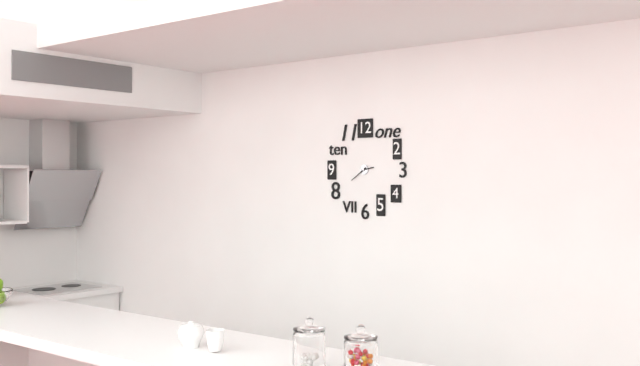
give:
2.39
